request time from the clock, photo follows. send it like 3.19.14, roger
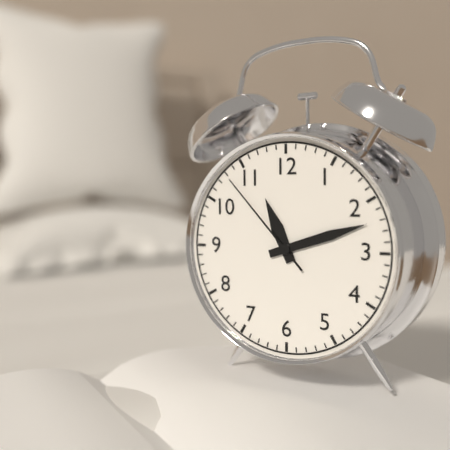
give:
11.12.53
